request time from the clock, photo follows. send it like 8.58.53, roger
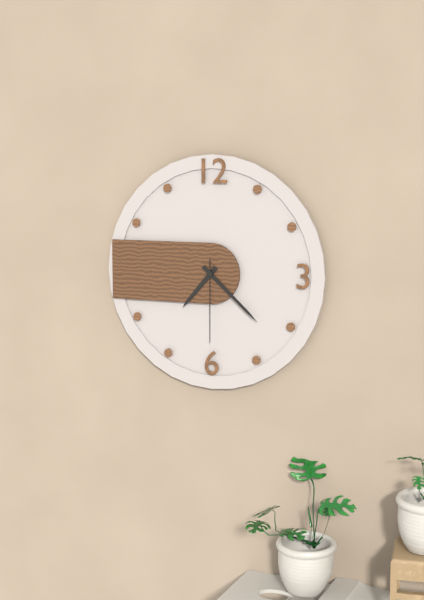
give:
7.22.30
